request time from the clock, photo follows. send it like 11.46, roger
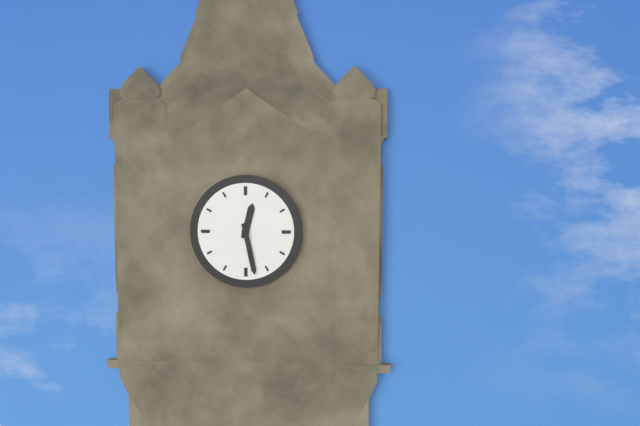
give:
12.28
